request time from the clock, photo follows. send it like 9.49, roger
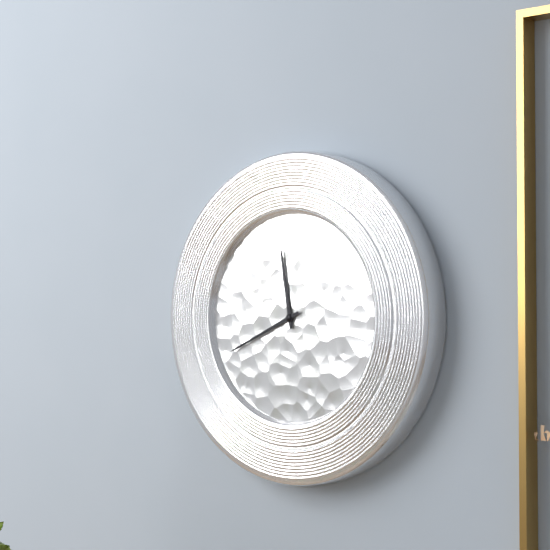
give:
11.41
